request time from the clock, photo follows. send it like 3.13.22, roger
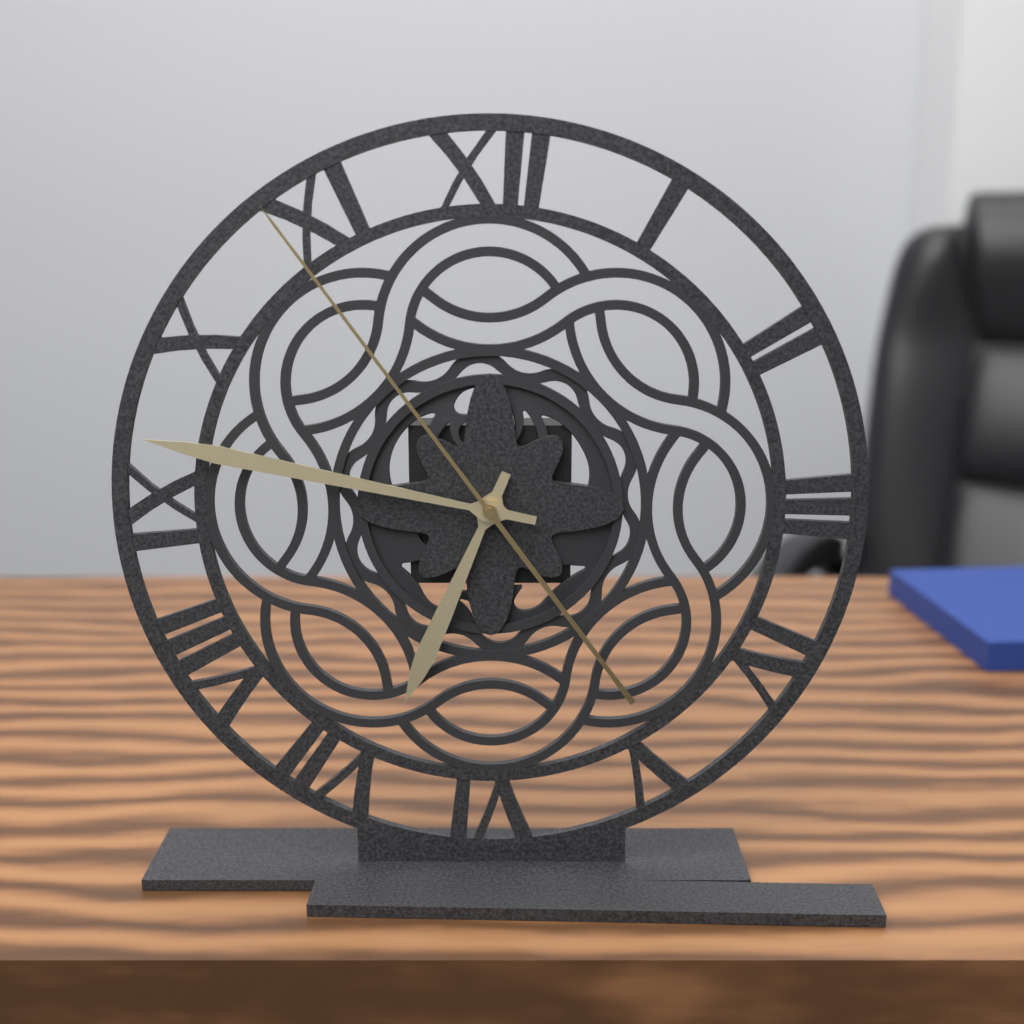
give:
6.47.54
